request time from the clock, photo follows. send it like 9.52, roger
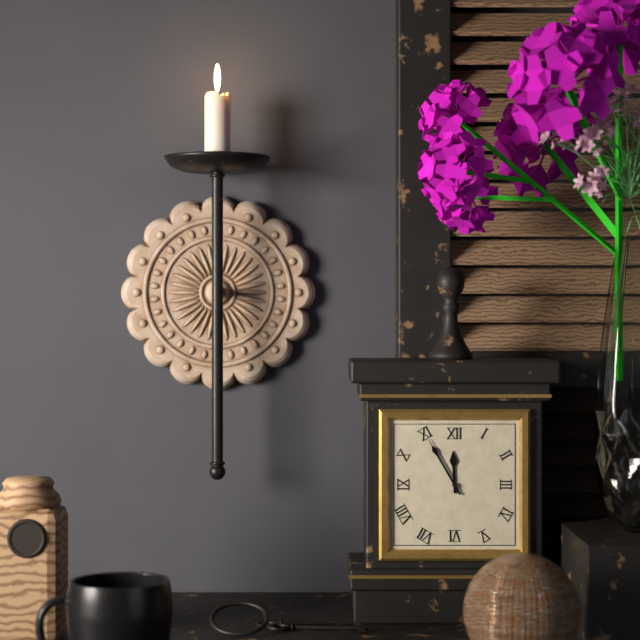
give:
11.55
